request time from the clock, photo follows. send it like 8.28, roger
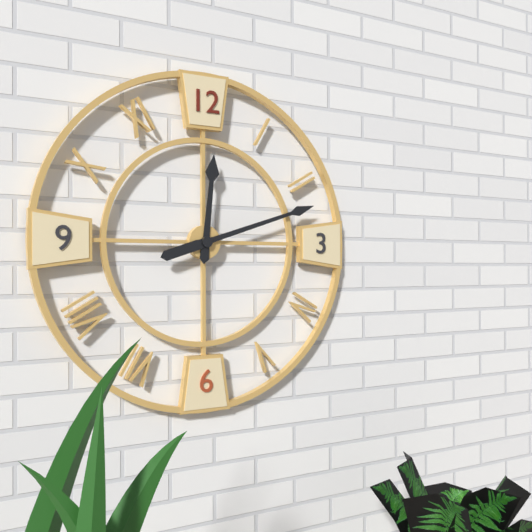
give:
12.12
